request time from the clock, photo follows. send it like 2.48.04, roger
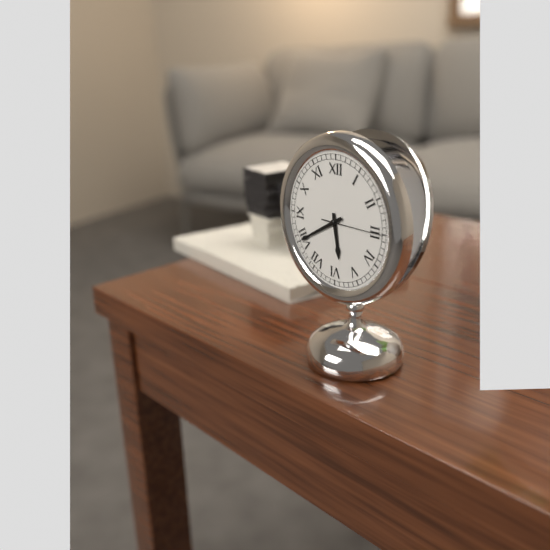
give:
5.40.15
